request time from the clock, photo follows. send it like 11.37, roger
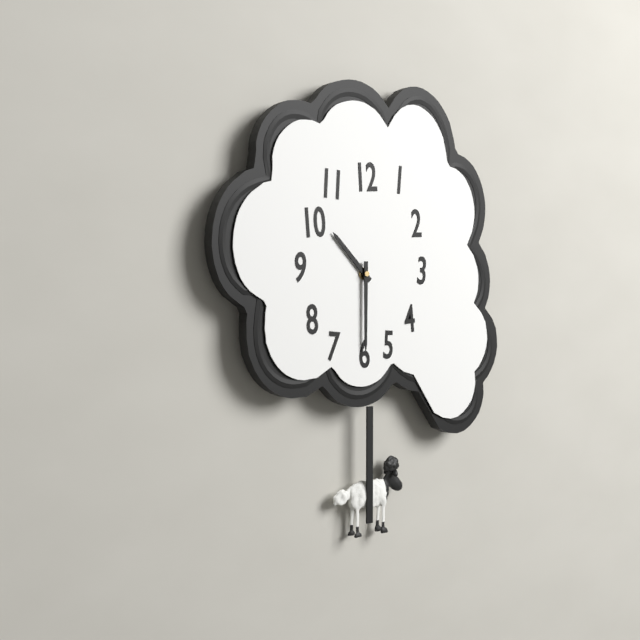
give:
10.30
